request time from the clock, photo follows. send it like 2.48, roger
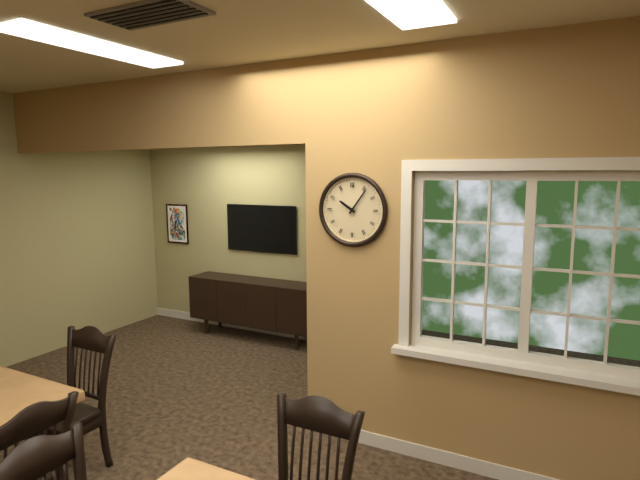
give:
10.06
